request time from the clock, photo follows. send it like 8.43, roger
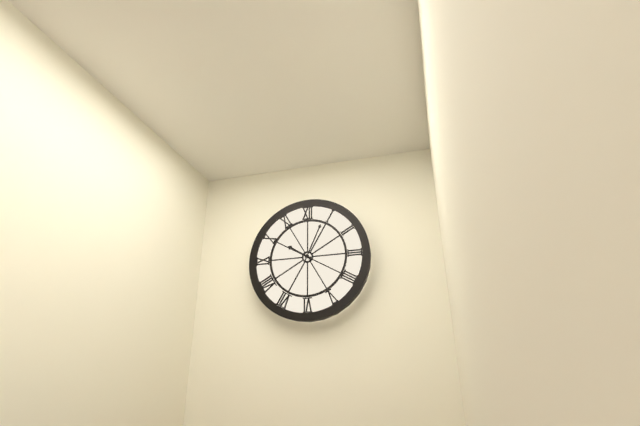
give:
10.04
